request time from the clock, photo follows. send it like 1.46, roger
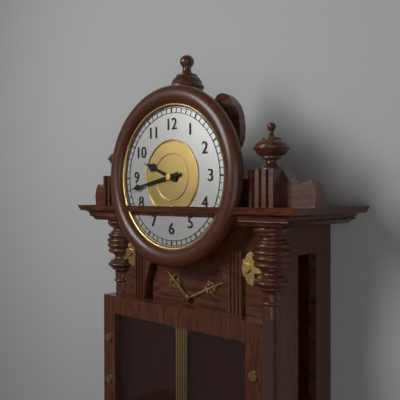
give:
9.43
